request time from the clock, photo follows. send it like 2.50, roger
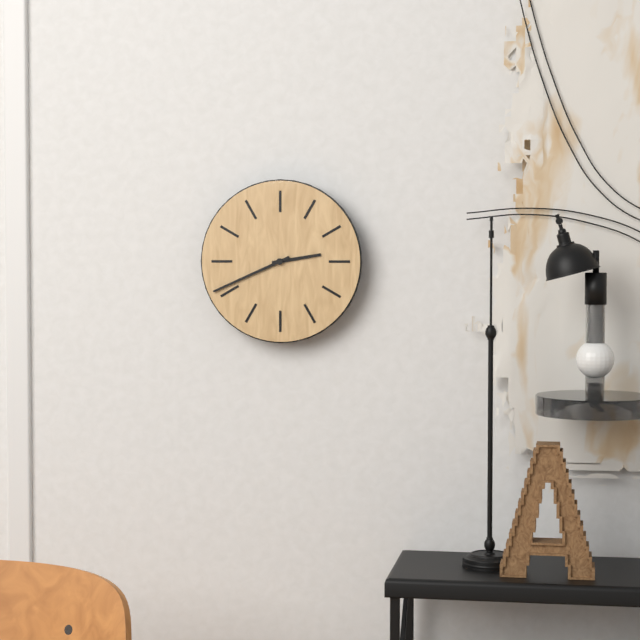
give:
2.41
